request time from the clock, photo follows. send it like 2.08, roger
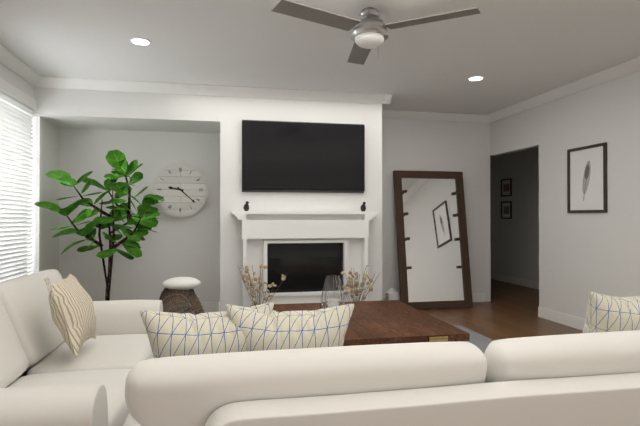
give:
9.22
